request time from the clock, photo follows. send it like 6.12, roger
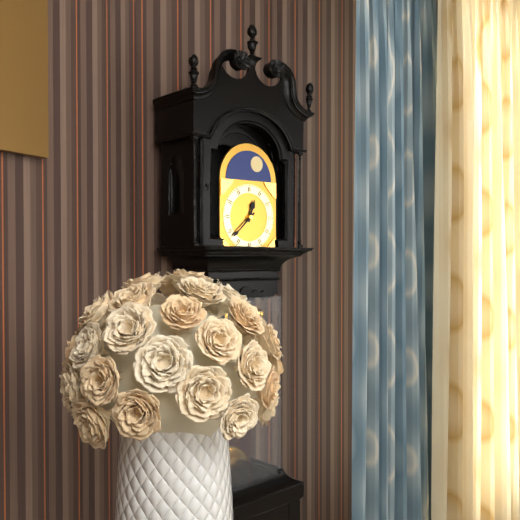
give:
12.38
